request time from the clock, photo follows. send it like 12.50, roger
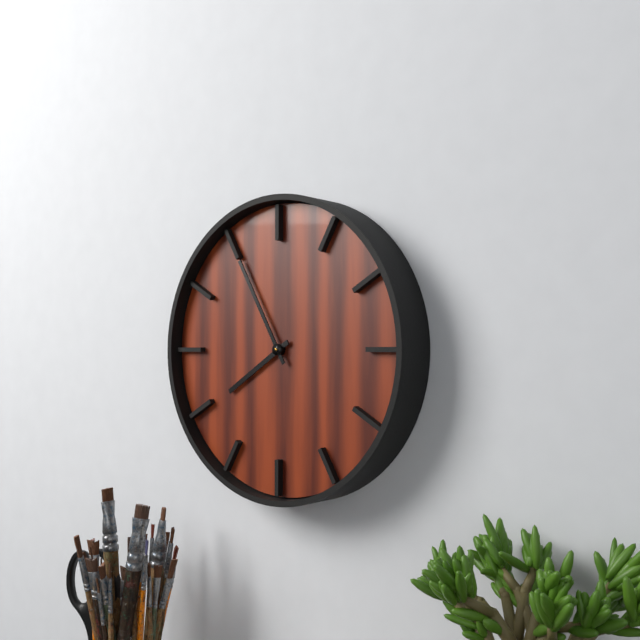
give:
7.55
